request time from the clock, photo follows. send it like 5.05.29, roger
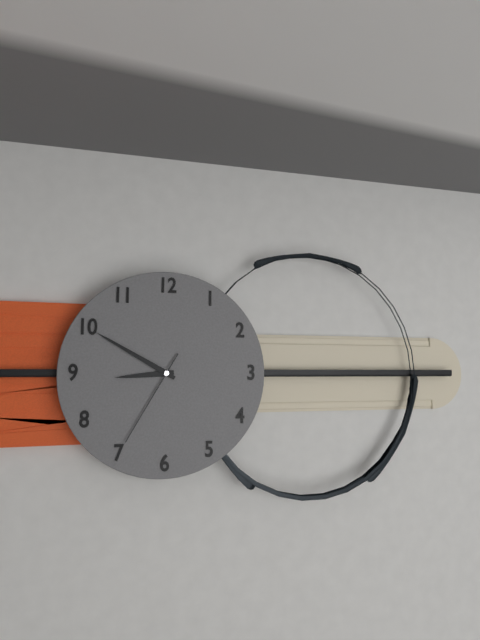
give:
8.50.35
